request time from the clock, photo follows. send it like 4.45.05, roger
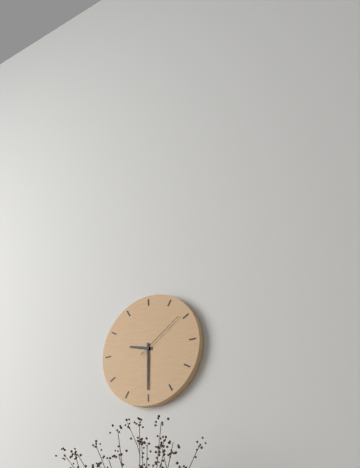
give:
9.30.09
